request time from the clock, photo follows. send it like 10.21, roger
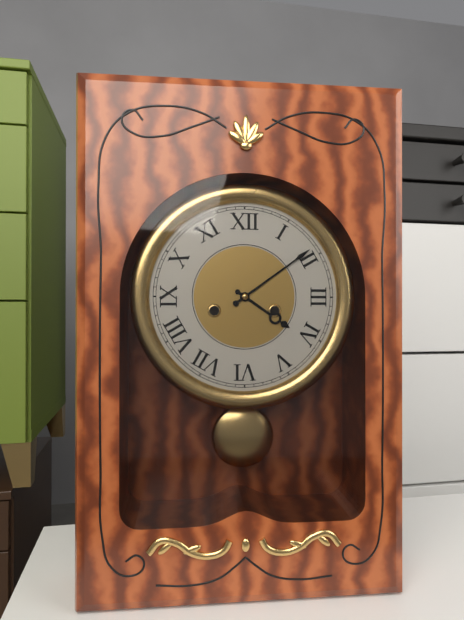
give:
4.09
